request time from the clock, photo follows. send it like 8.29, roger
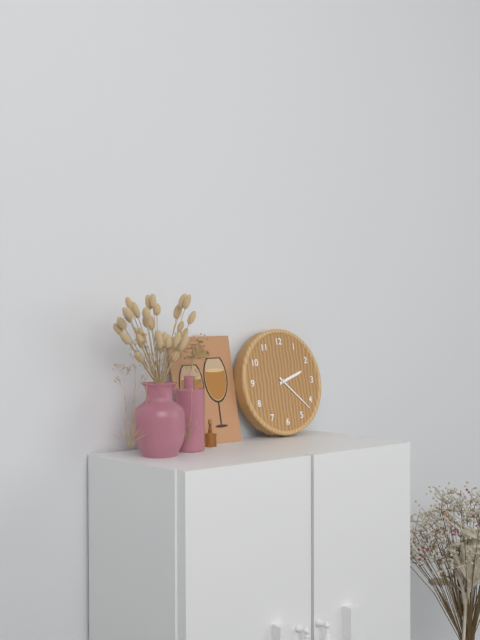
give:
2.22
